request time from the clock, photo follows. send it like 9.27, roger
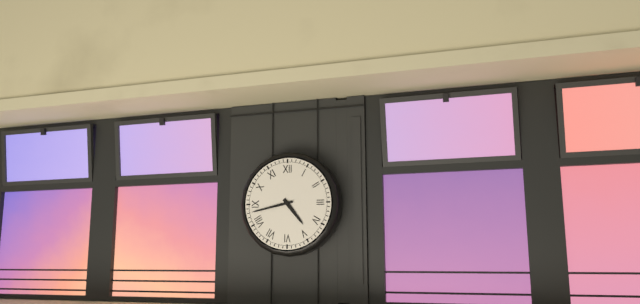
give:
4.43
